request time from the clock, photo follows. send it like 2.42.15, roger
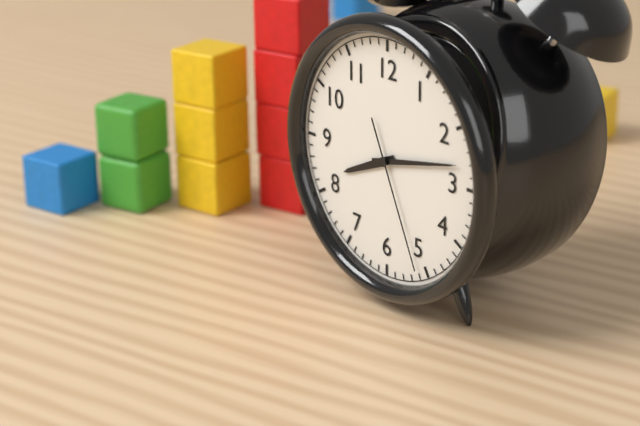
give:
8.13.26
